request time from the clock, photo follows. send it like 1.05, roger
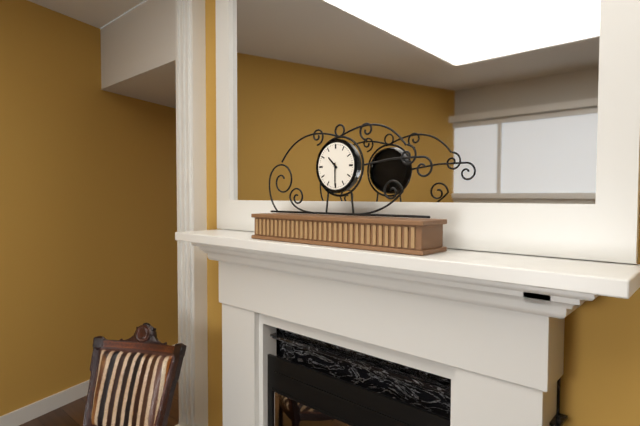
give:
10.30
